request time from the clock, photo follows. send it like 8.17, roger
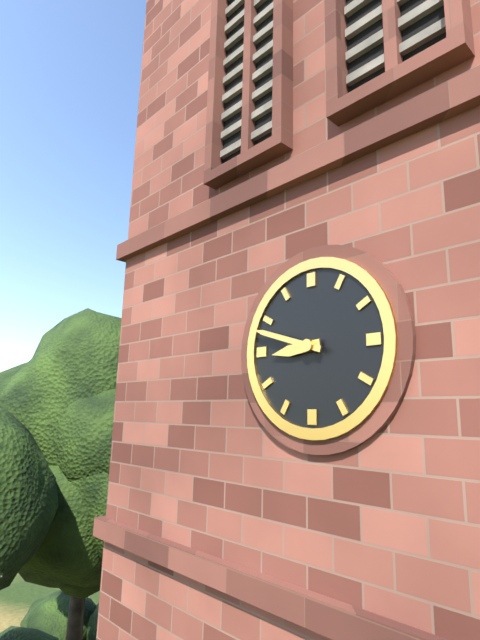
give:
8.48
